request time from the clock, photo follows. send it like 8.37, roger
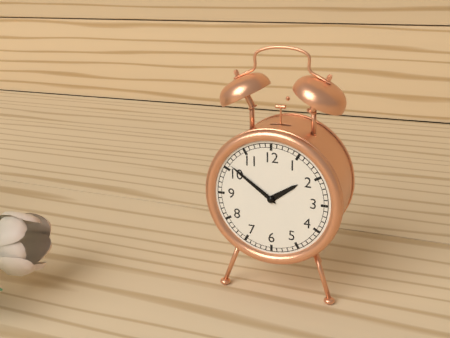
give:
1.51
